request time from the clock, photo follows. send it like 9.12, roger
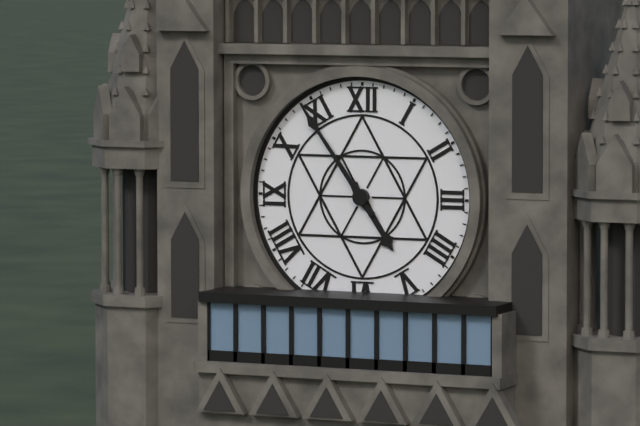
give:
4.54
